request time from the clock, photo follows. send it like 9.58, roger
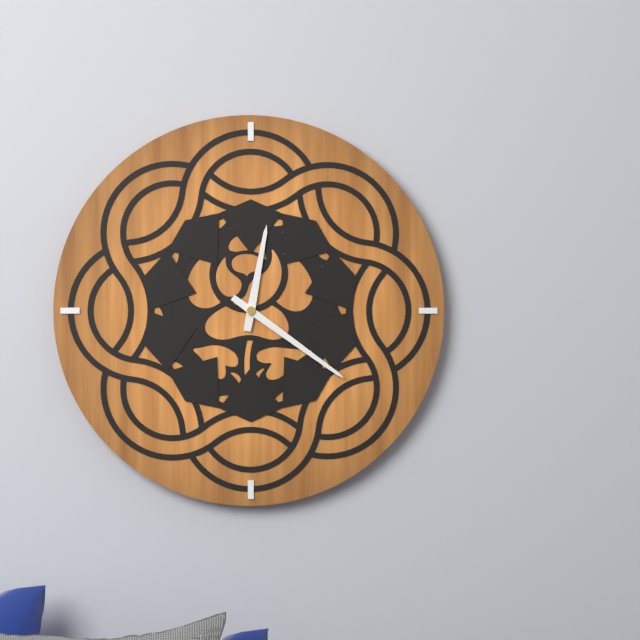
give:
12.21
